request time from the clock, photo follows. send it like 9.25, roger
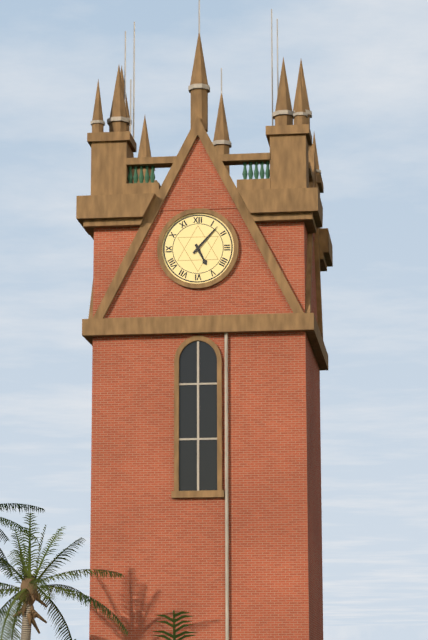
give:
5.07
